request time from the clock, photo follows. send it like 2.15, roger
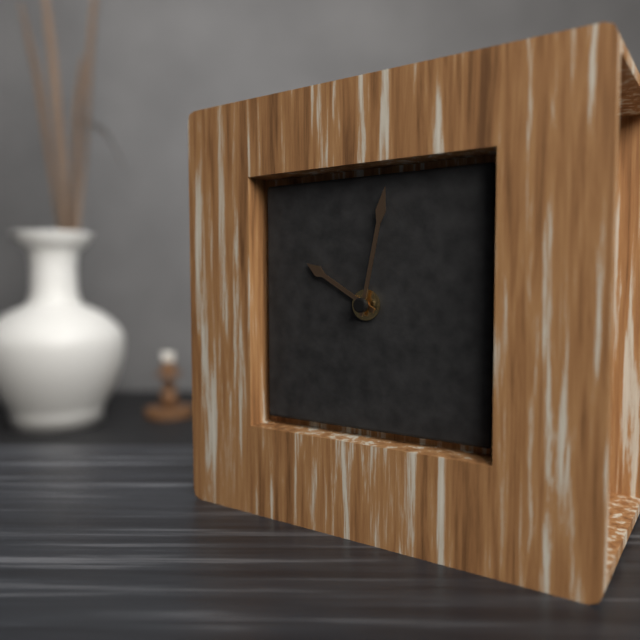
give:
10.02
